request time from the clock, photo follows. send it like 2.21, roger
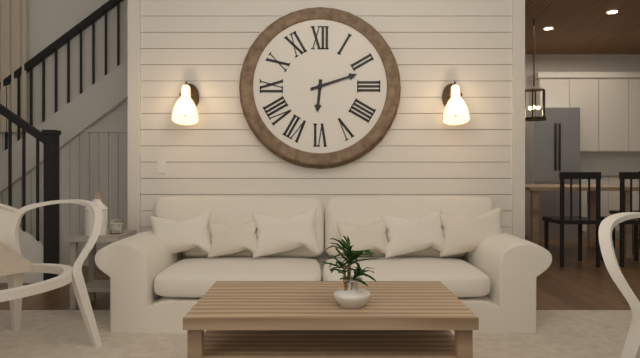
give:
6.12
